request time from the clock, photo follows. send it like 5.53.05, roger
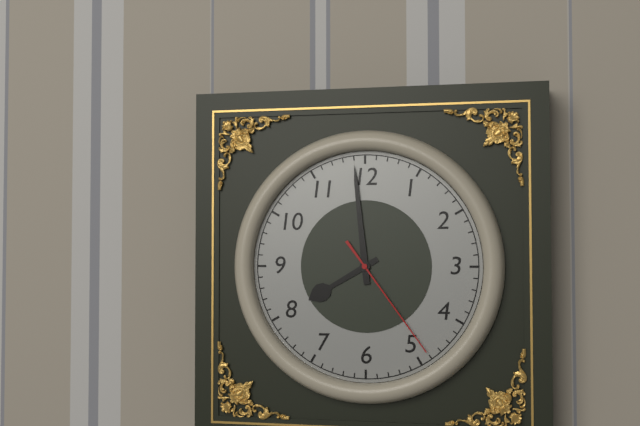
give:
7.59.24
